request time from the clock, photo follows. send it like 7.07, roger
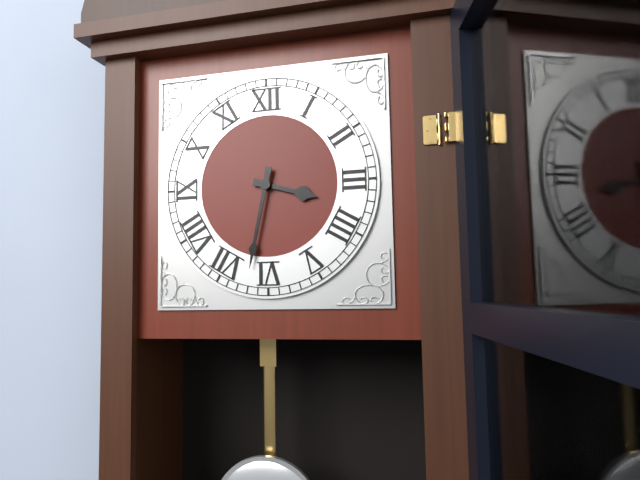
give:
3.32
